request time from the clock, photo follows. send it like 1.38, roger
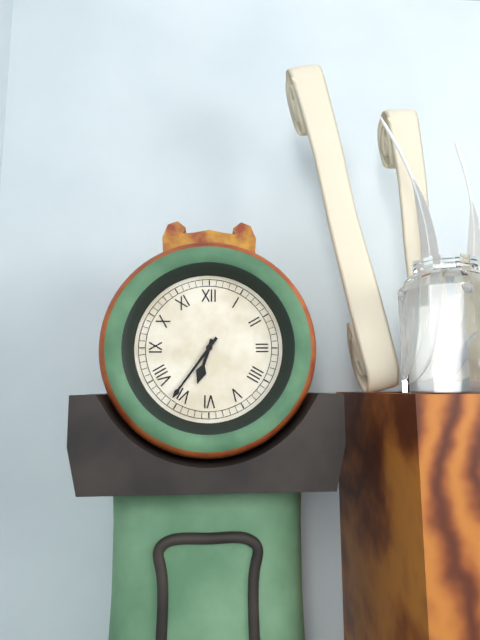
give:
6.36
